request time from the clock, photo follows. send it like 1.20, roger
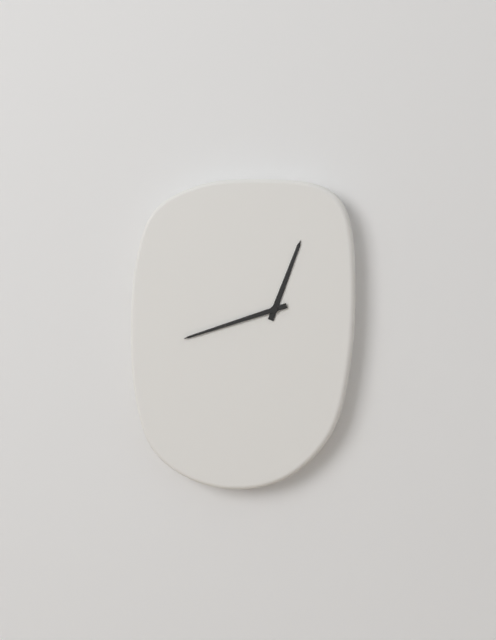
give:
12.42
